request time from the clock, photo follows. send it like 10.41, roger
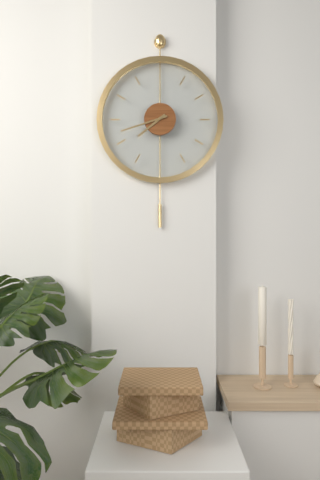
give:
7.42
